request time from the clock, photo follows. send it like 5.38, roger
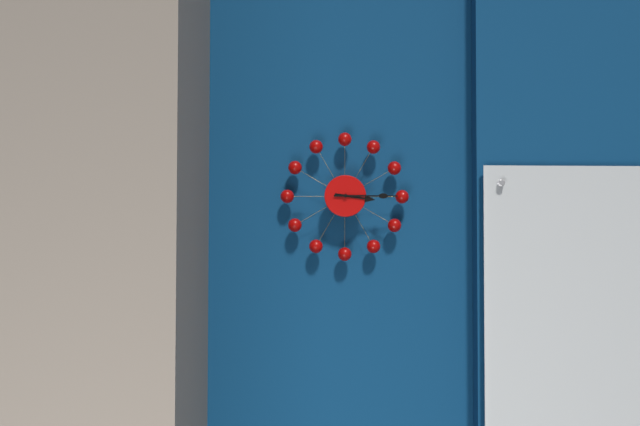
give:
3.15
